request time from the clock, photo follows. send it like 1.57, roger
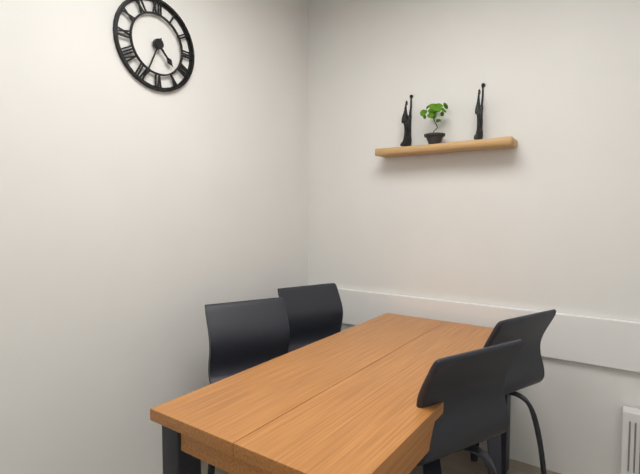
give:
4.34
